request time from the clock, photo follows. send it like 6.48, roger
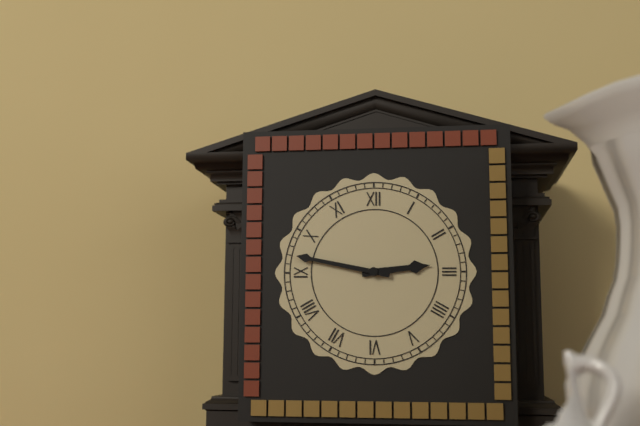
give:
2.47
